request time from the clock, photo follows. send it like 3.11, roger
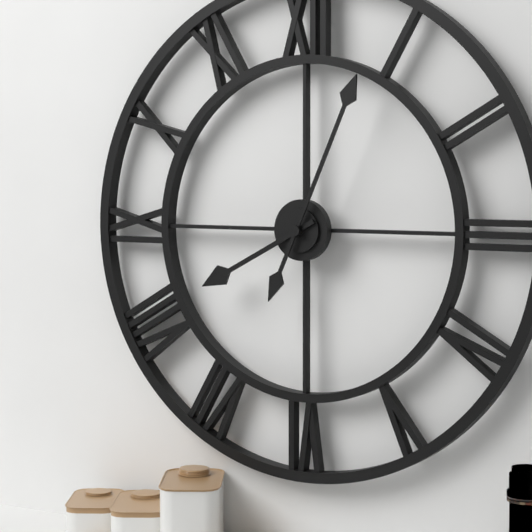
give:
8.04
